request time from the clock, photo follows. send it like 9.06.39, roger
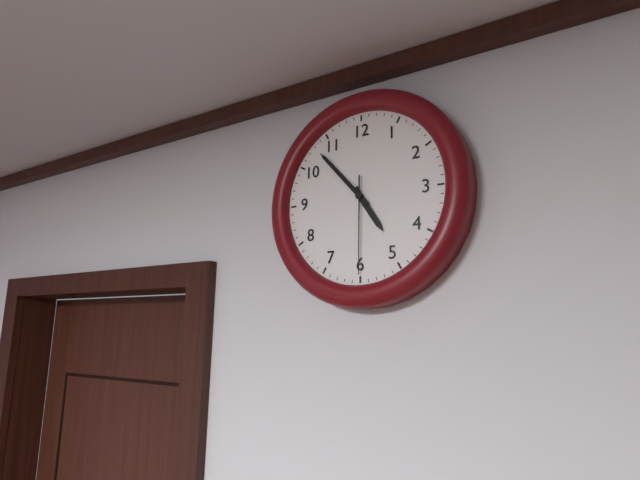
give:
4.53.30
